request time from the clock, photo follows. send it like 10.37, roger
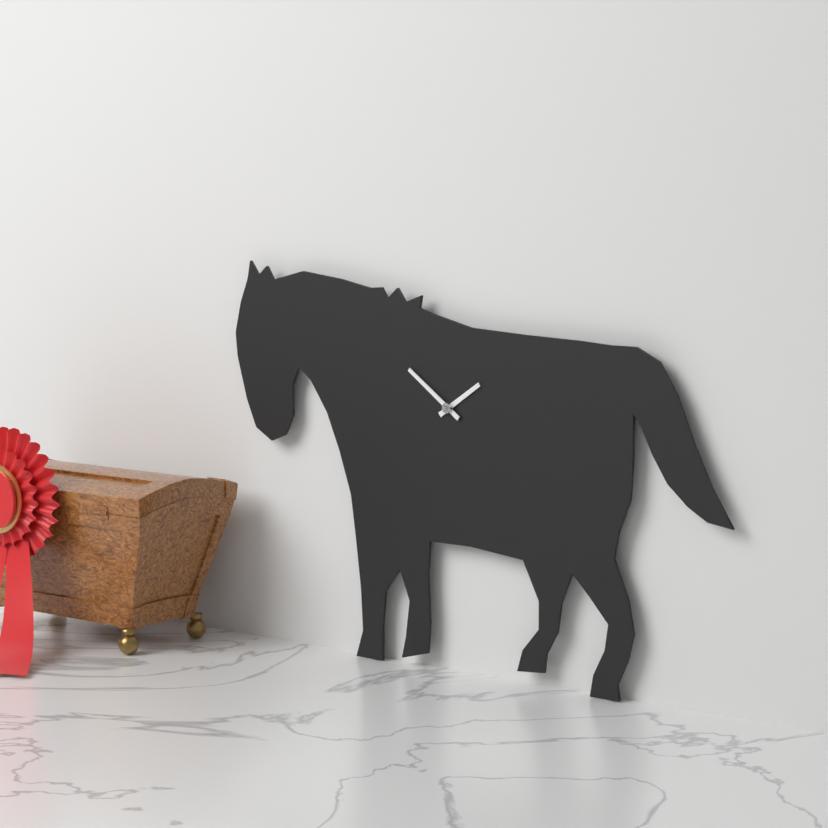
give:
1.51
